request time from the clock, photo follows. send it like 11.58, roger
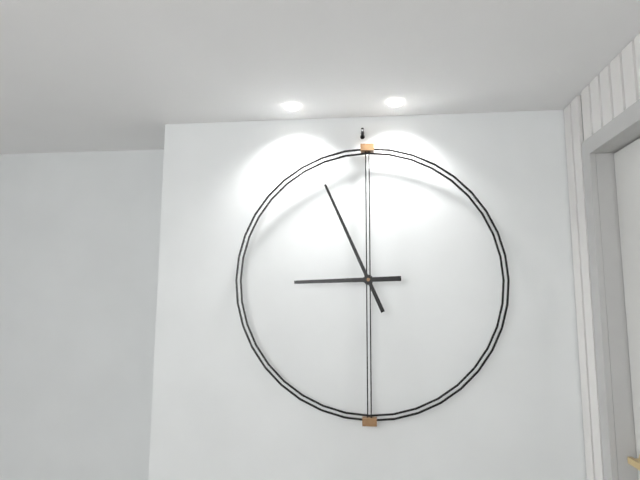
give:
8.56
